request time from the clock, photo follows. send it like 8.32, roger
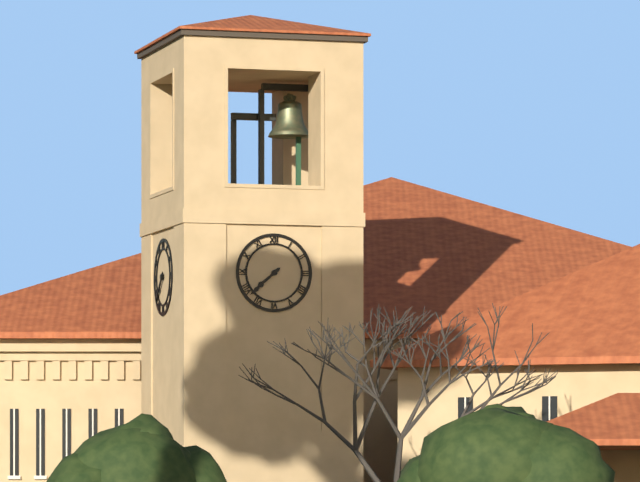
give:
7.38
